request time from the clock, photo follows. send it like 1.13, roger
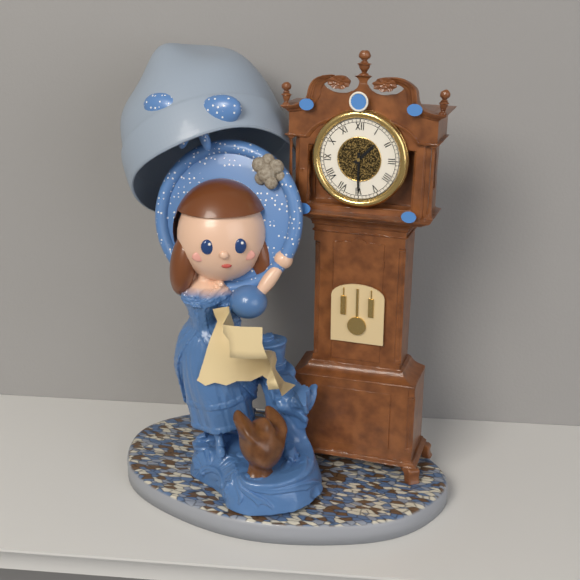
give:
1.30
